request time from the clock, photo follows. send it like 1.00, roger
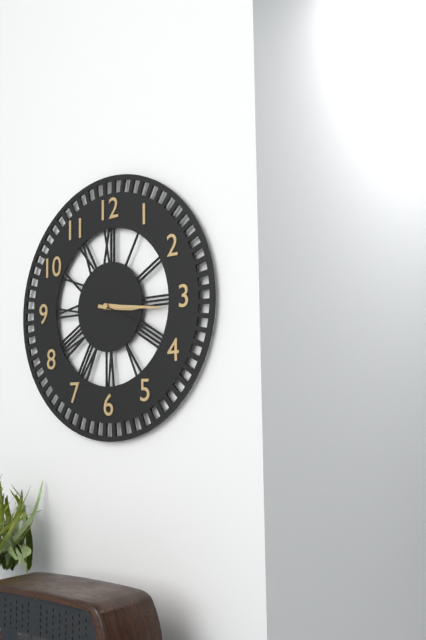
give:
3.16
